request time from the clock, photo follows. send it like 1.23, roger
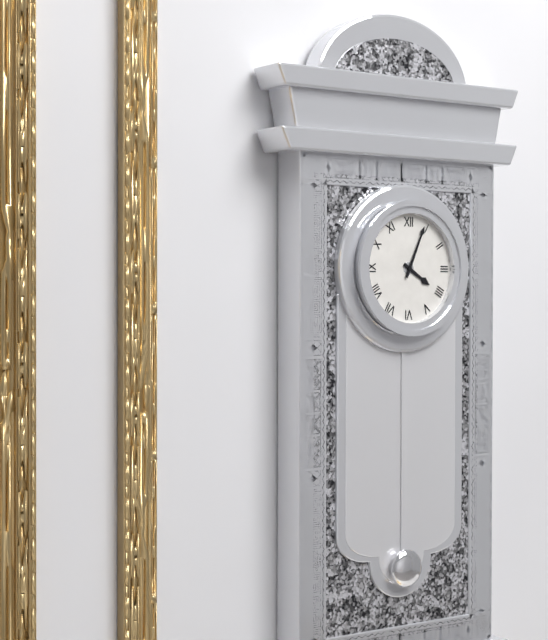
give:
4.04
